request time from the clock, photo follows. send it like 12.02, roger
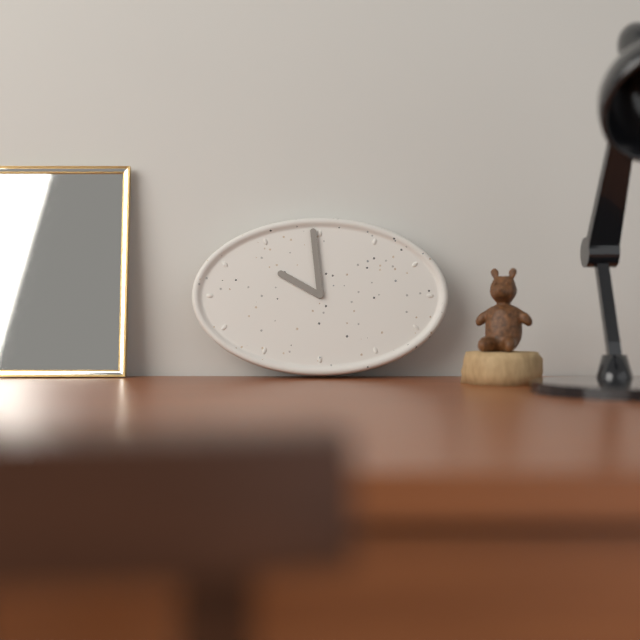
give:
9.59
